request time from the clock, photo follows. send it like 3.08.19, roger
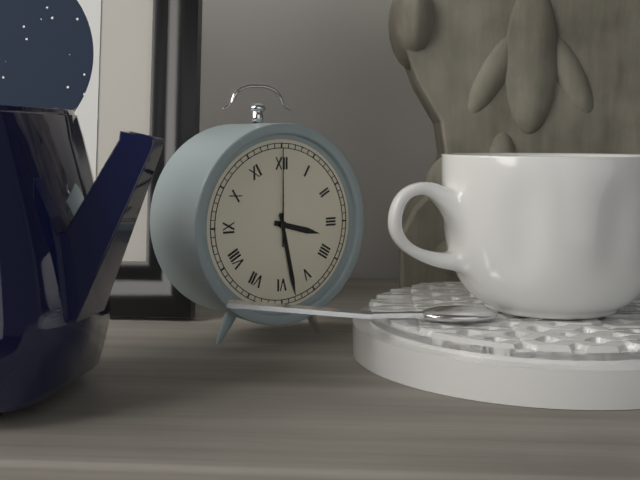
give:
3.28.00
